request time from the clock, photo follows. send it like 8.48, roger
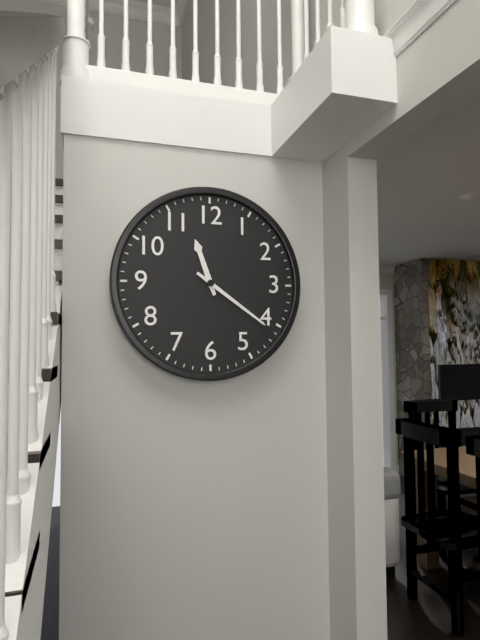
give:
11.21
